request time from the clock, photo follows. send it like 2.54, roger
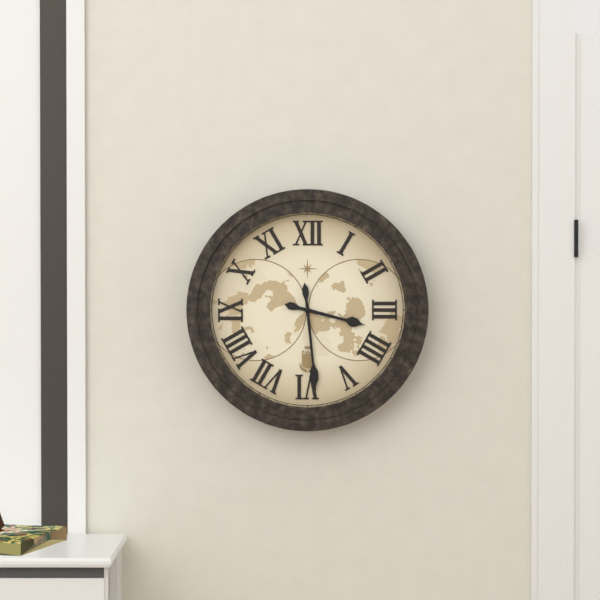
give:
3.29
